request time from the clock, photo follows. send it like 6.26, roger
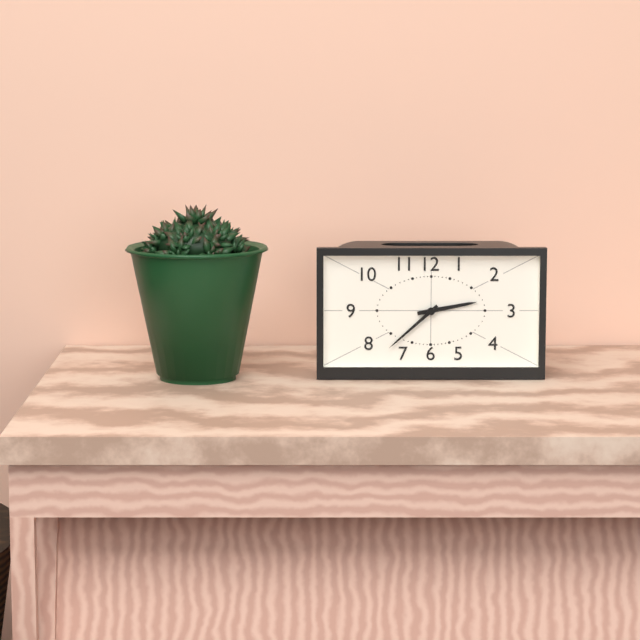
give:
2.38
